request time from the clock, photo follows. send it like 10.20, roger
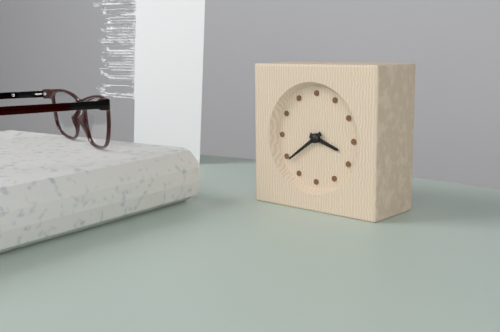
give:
3.39
